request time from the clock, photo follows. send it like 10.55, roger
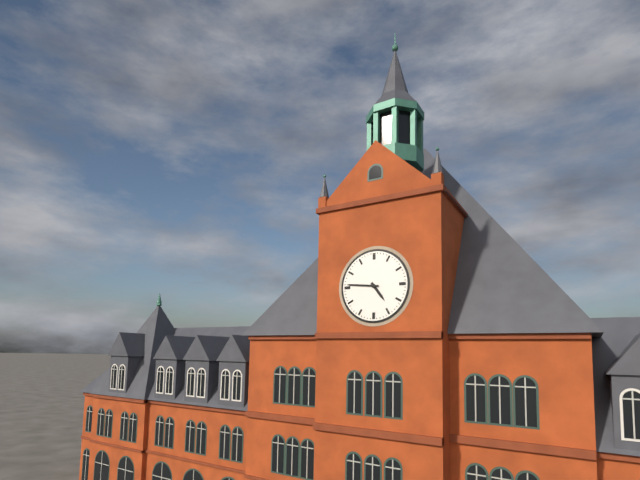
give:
4.46
